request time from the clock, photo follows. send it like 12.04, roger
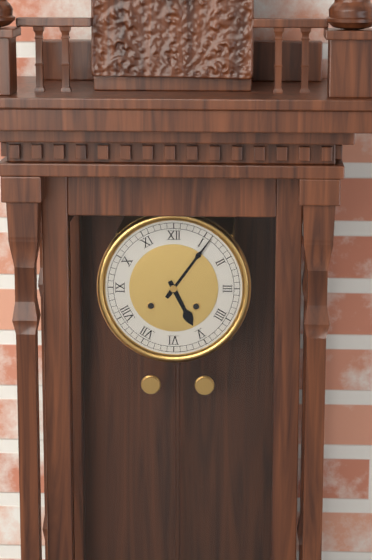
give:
5.06
